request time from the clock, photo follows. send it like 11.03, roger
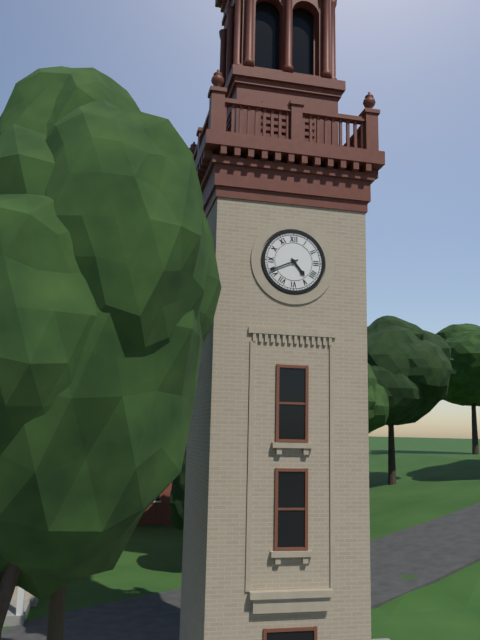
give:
4.41
